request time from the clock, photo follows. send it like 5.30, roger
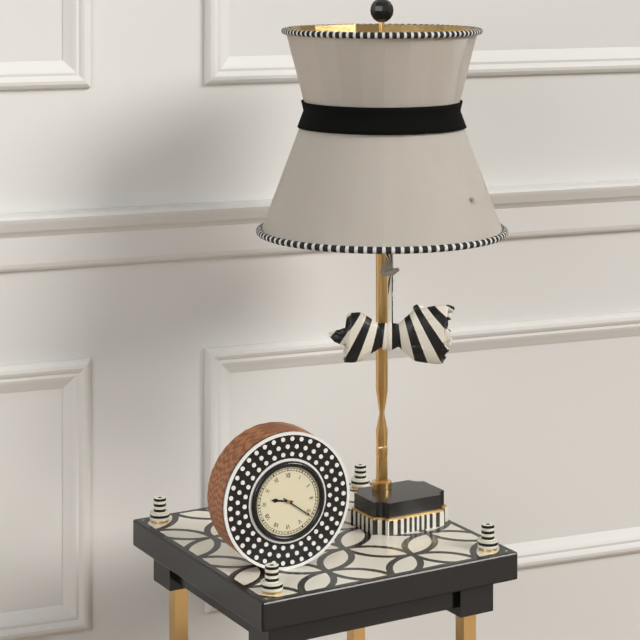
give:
9.21
